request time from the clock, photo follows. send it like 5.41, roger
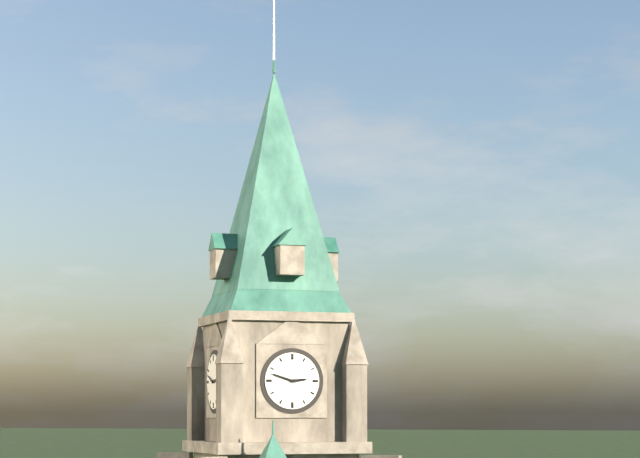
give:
2.48
